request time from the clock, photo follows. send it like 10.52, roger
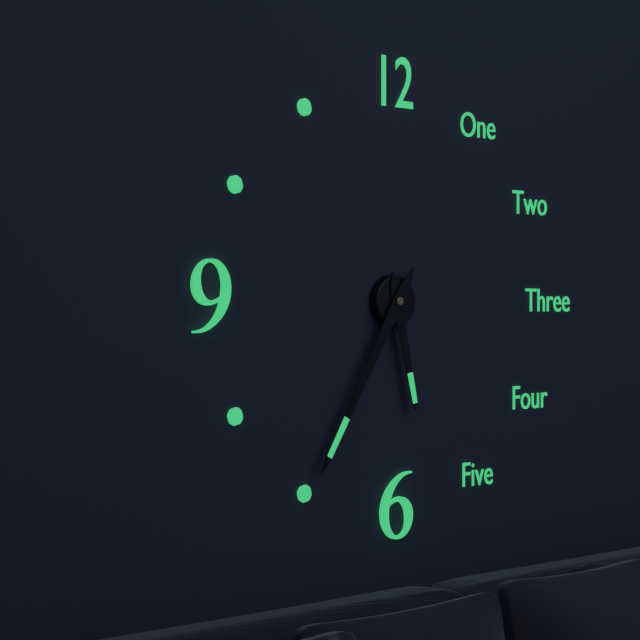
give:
5.35
